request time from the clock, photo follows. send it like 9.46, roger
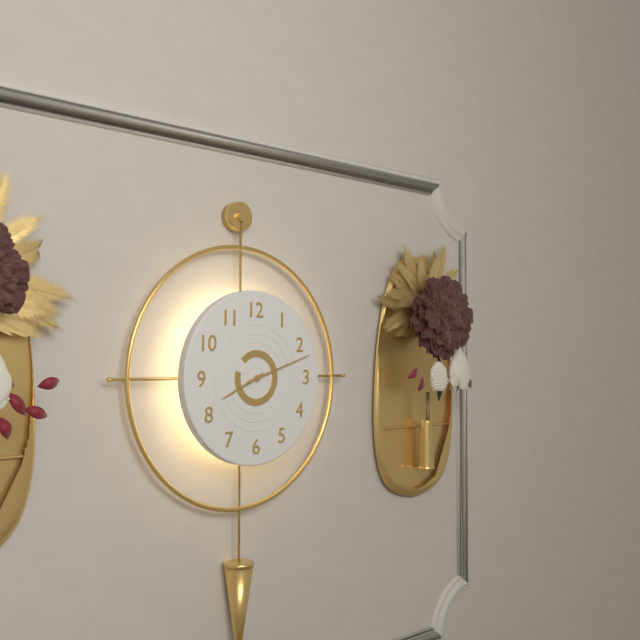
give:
8.12
